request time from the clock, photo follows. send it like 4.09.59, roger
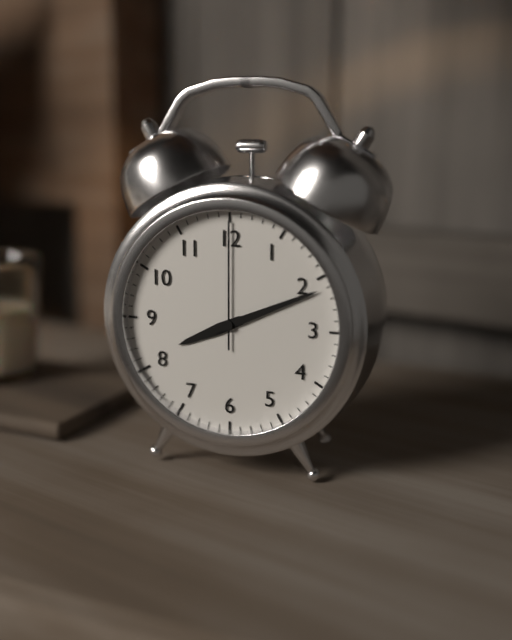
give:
8.11.00
